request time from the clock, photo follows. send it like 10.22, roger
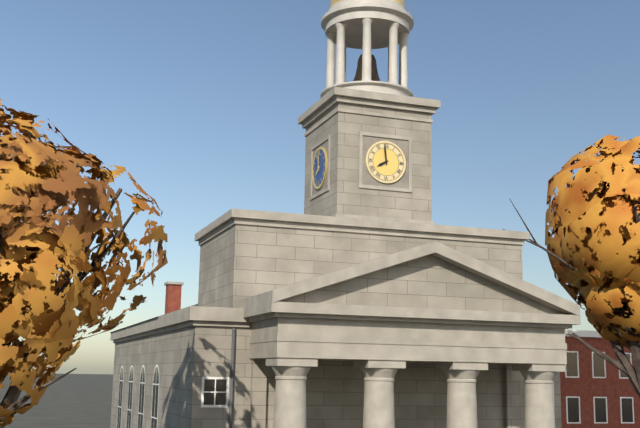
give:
7.59
